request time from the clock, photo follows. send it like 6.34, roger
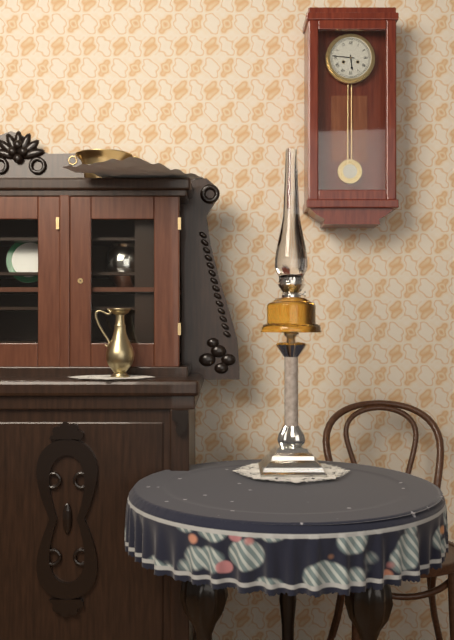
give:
5.46
